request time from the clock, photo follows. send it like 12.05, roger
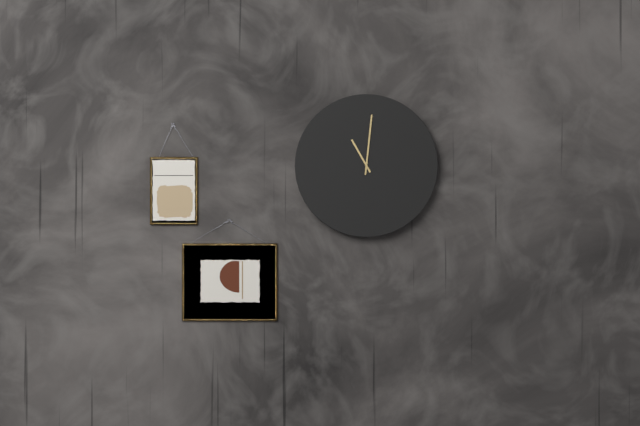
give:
11.01
